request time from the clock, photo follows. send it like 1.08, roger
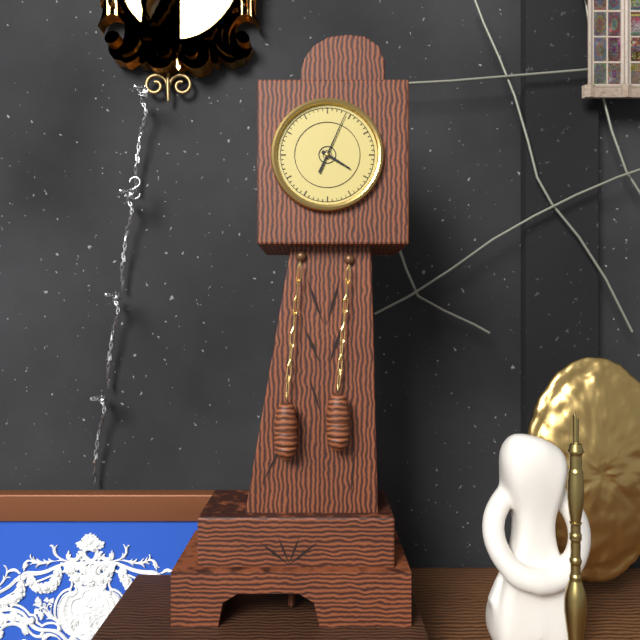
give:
4.04
